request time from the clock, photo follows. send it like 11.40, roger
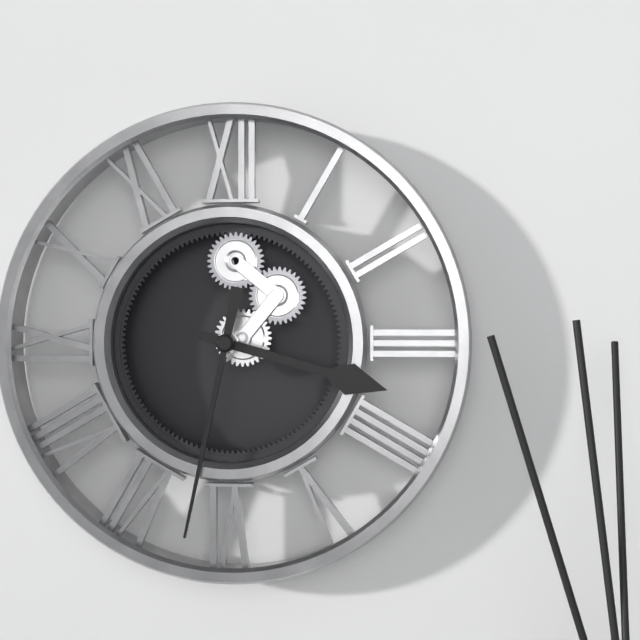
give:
3.32
